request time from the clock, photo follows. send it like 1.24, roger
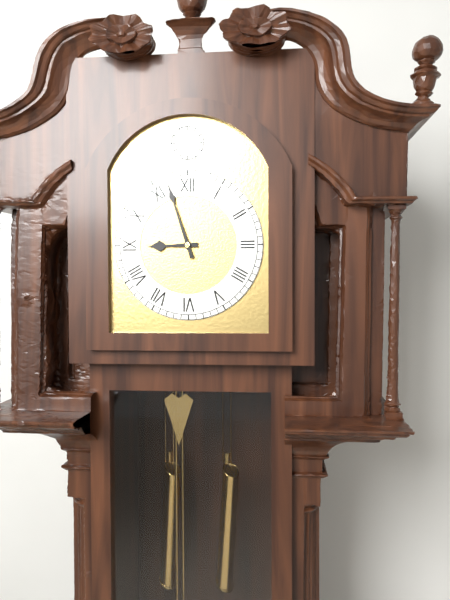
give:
8.57
